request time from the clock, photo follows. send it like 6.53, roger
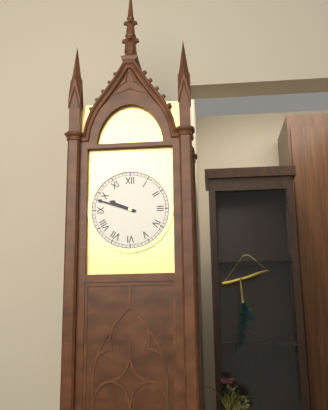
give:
9.48
